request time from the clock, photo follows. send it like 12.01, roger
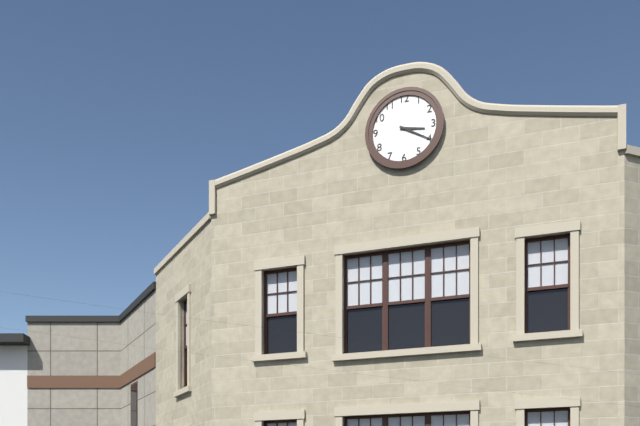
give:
3.20
